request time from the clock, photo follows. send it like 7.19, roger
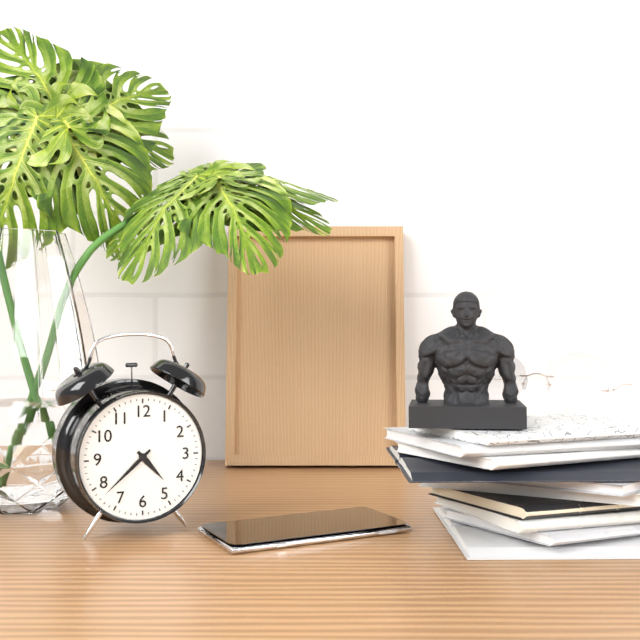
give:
4.38
